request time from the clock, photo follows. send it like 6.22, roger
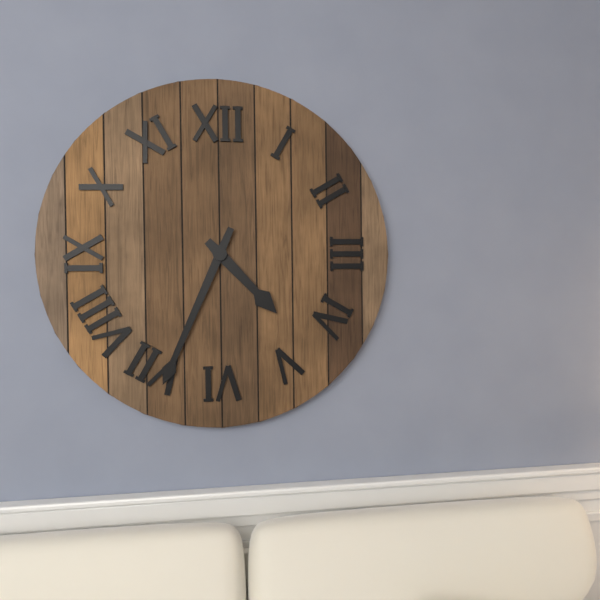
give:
4.34
